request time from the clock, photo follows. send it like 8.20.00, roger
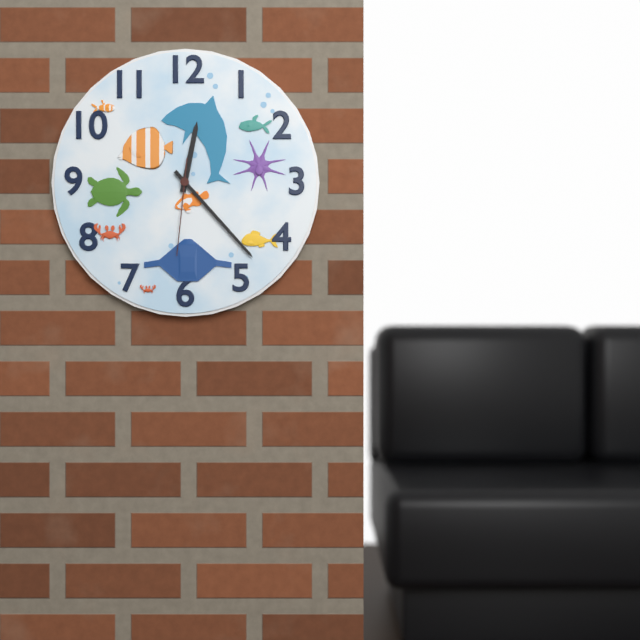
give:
12.23.31
